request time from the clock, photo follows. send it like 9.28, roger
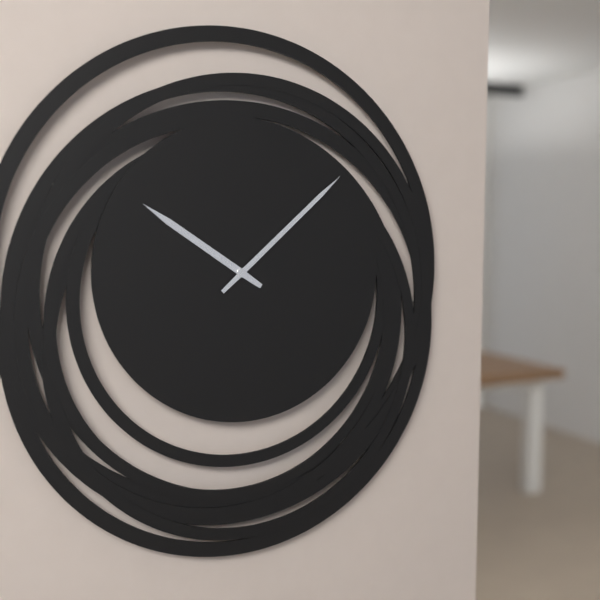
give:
10.08
